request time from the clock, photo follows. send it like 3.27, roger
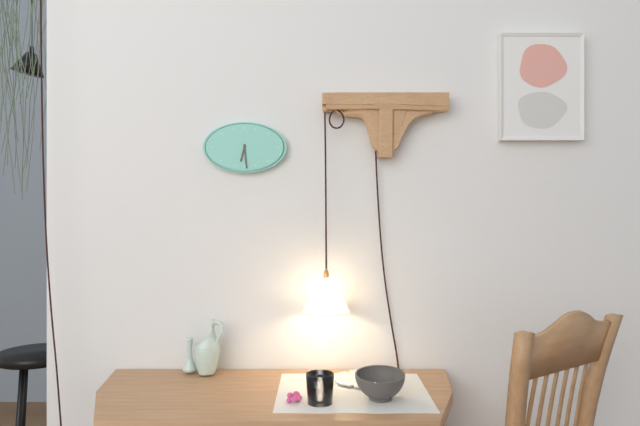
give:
6.29
